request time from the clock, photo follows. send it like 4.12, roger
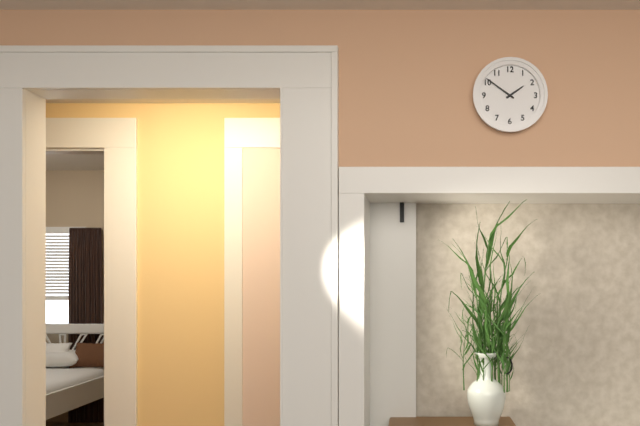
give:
1.51
